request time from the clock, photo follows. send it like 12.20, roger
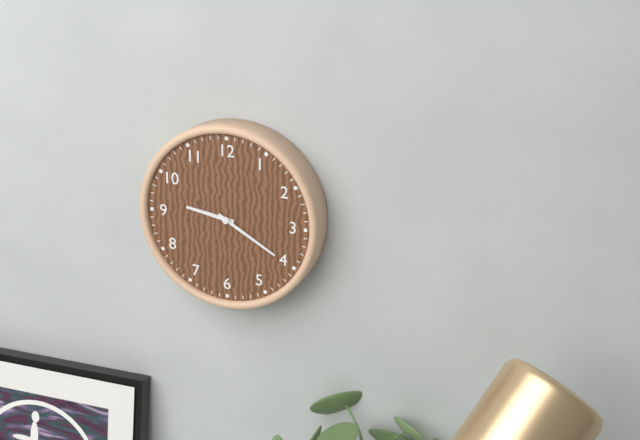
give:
9.20
